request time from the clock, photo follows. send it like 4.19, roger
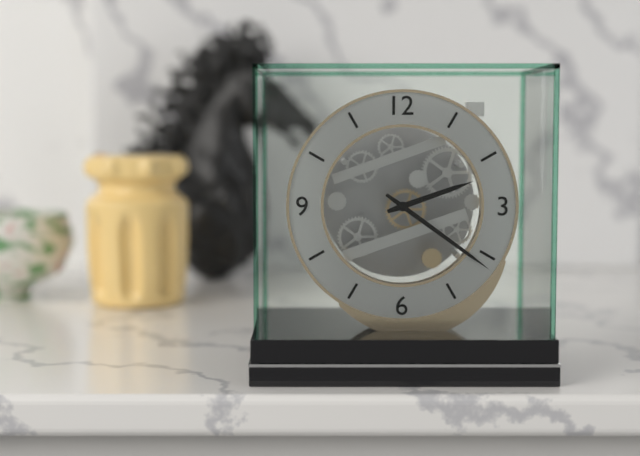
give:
2.21
